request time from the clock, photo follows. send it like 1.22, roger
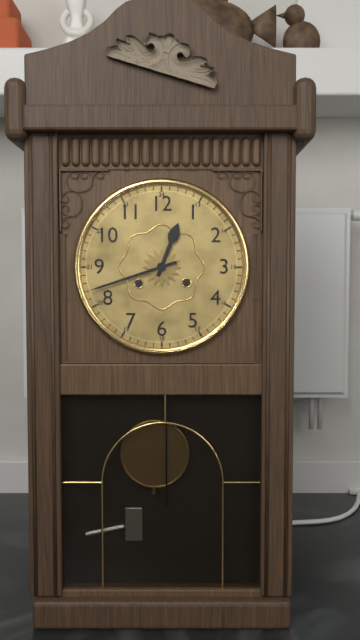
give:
12.42
